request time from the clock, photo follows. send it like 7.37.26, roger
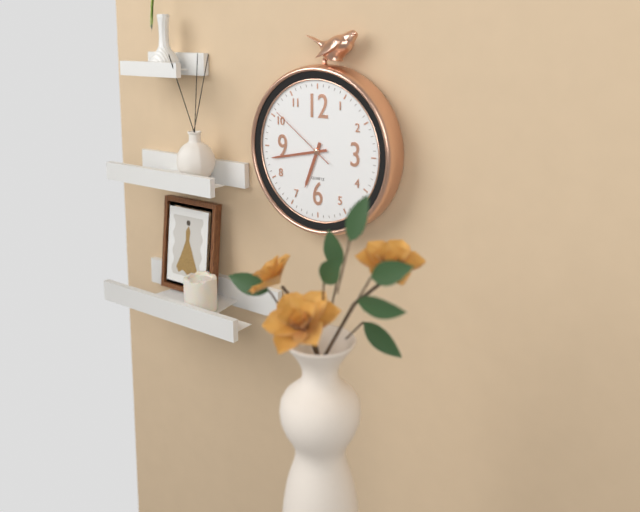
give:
6.43.51
